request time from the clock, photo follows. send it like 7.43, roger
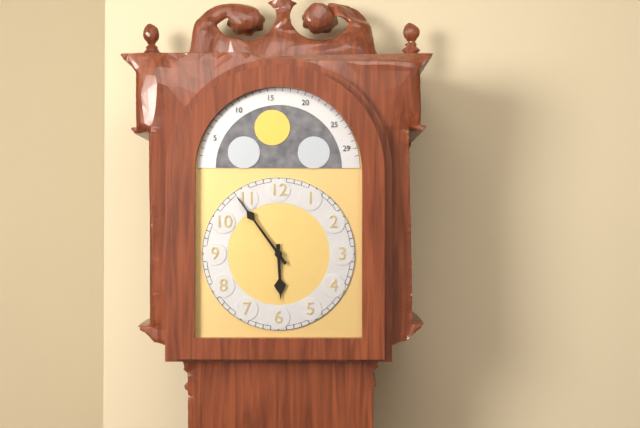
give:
5.54
